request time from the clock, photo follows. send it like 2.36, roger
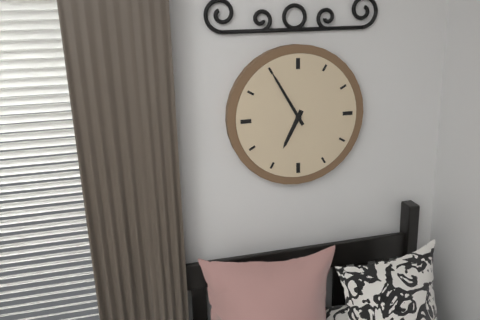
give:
6.55
